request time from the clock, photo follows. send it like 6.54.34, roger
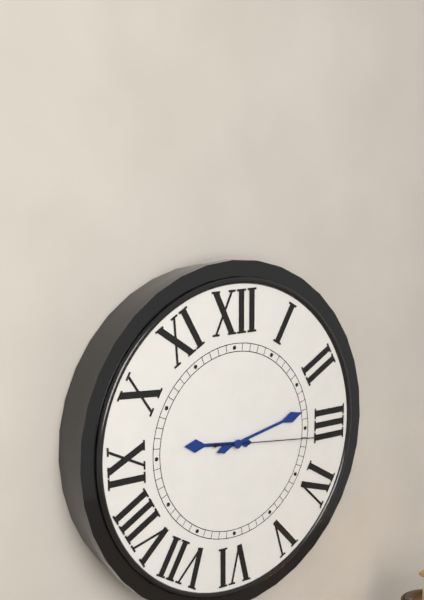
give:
9.13.16
